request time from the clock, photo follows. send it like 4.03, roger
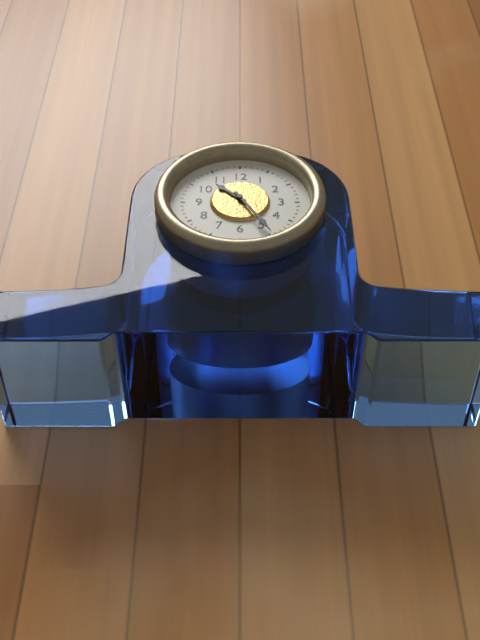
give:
10.25
